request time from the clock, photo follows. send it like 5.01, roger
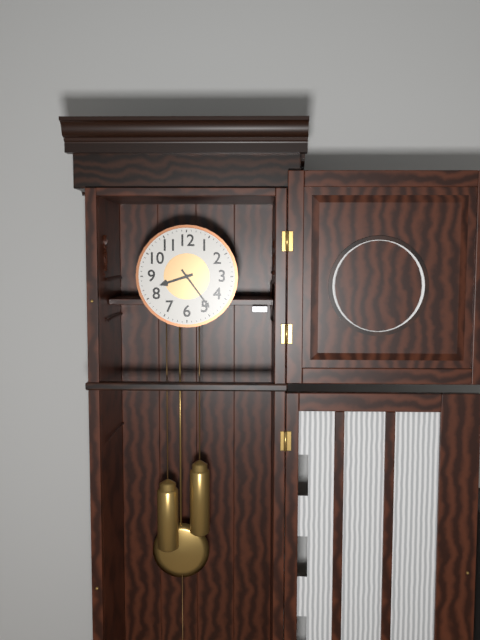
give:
8.24
